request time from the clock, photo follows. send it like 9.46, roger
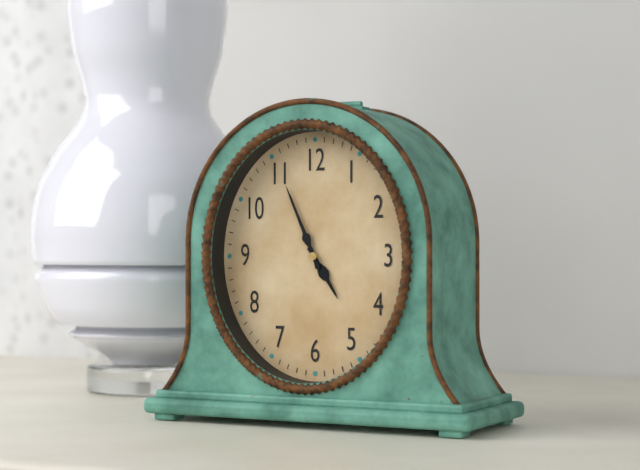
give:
4.56
